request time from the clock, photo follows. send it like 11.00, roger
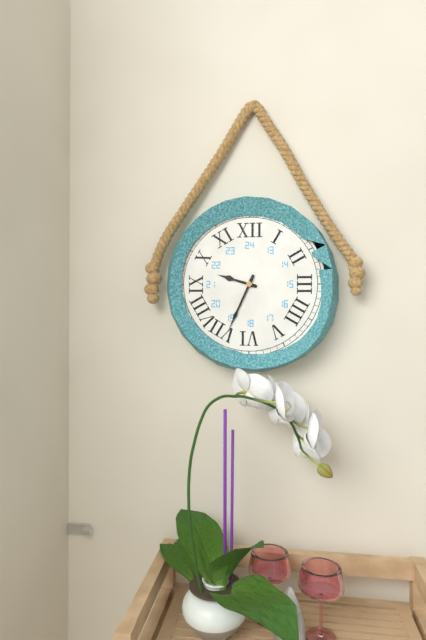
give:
9.34
